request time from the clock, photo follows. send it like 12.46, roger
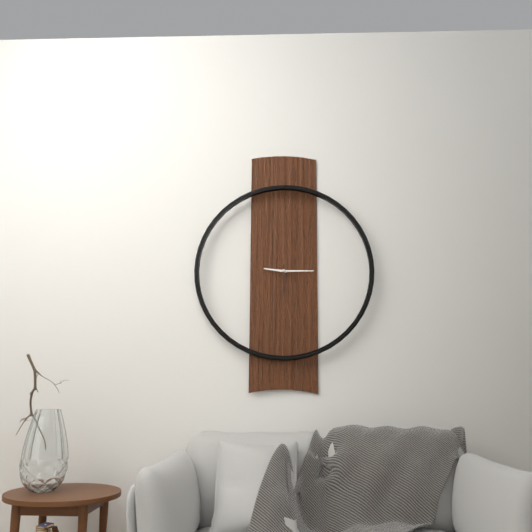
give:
9.15
